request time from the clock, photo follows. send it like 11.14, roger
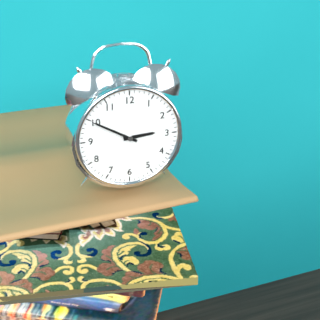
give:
2.50
